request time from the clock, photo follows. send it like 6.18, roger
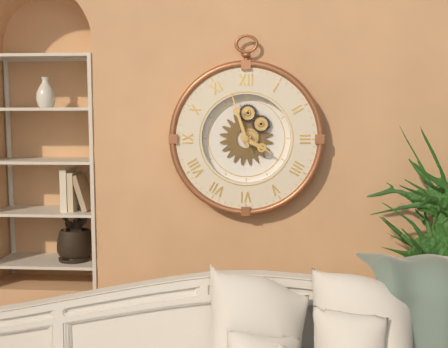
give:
3.57
